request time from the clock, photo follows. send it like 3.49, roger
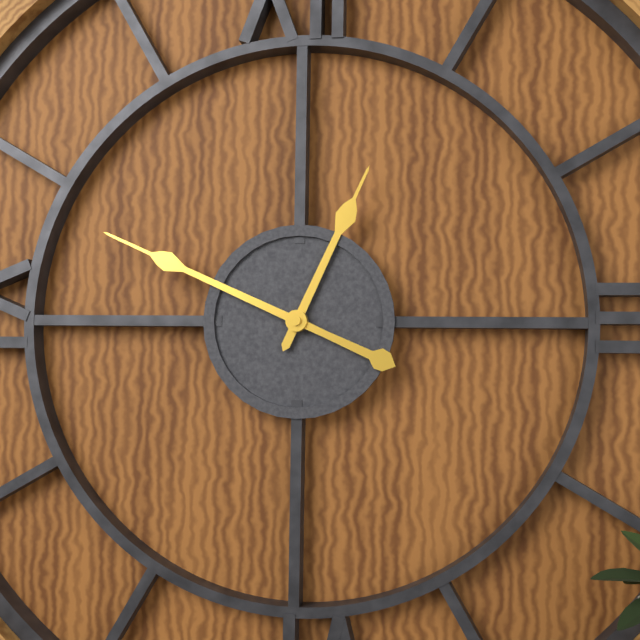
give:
12.49
